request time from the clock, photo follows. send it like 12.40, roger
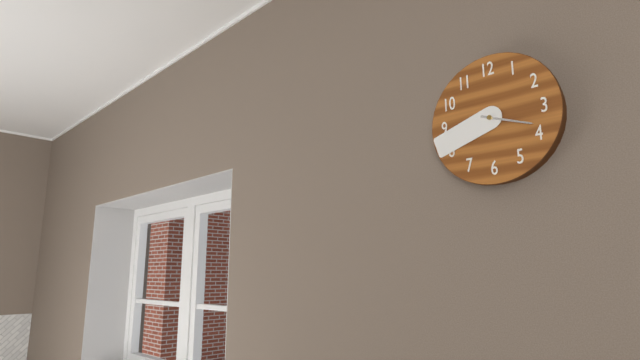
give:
3.42
